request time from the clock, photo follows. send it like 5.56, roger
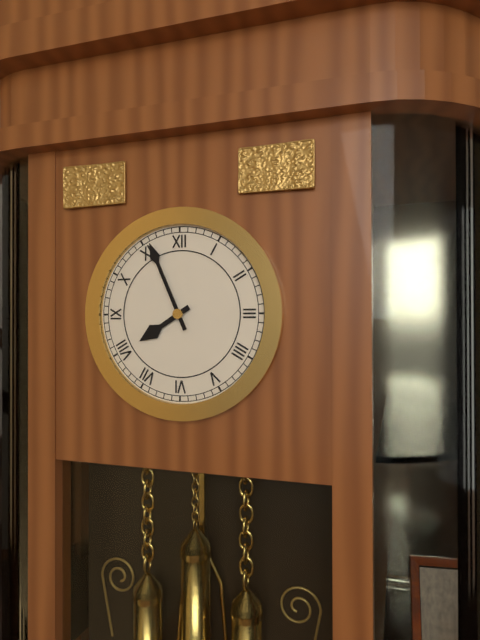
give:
7.56
